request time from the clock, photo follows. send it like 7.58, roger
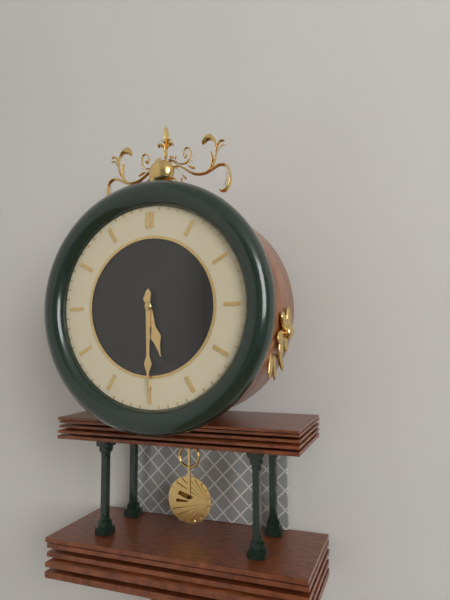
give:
5.30
